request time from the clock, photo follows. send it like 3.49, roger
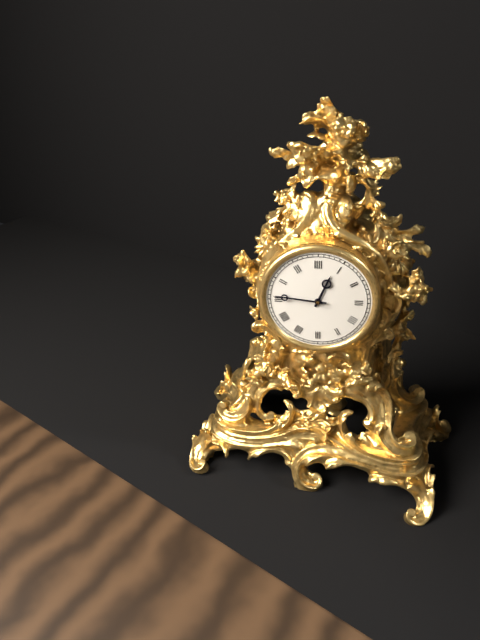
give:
12.46
